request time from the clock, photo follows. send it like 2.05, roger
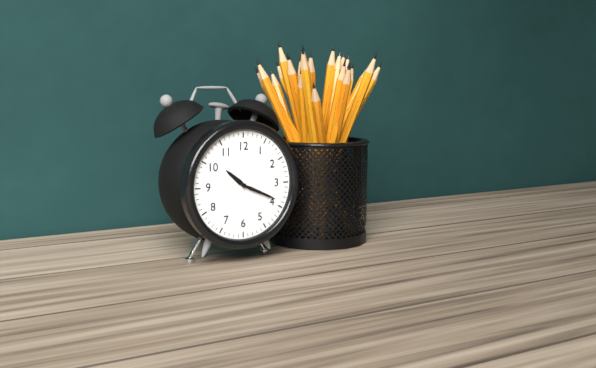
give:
10.19
